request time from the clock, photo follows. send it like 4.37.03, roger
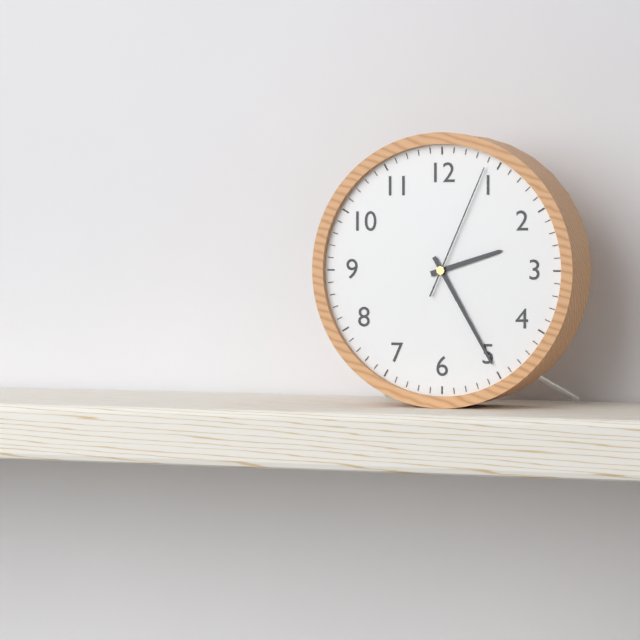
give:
2.25.04
